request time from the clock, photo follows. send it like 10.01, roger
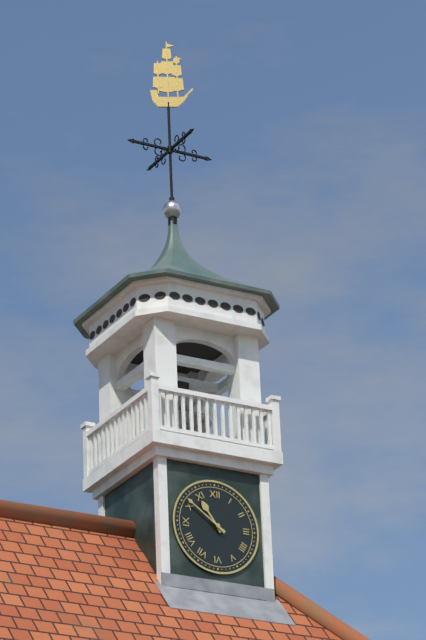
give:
10.51
